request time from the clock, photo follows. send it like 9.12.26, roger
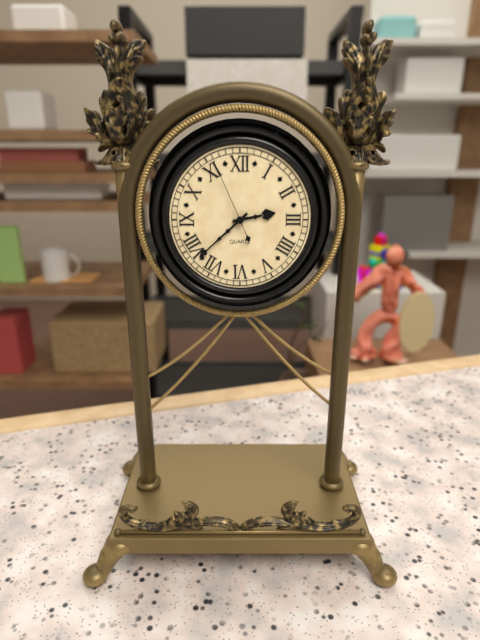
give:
2.38.56
